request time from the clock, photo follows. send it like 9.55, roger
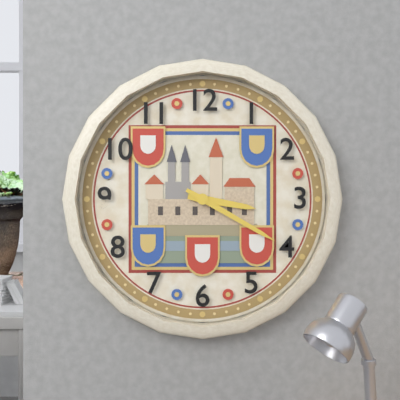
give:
3.20
